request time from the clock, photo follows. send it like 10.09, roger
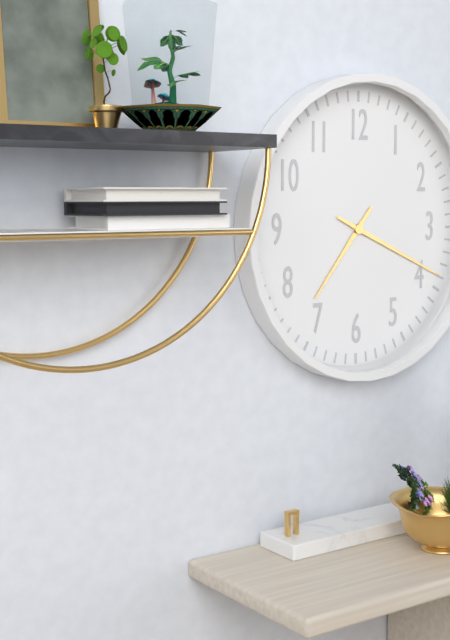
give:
7.19
